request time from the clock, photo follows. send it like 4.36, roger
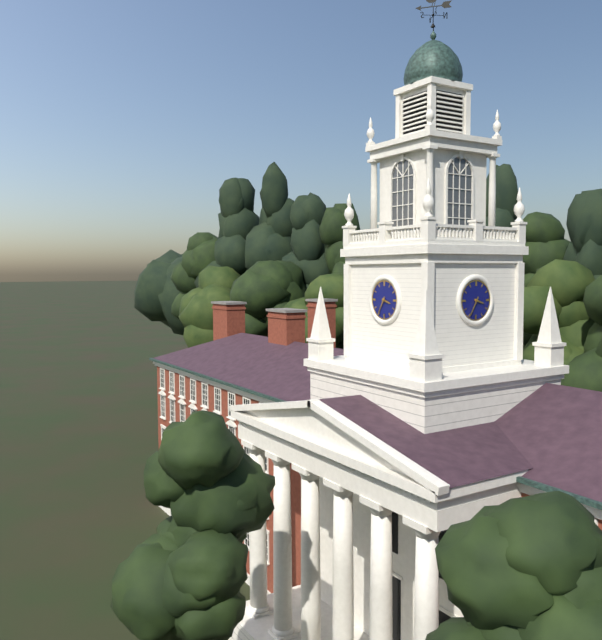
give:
3.35
